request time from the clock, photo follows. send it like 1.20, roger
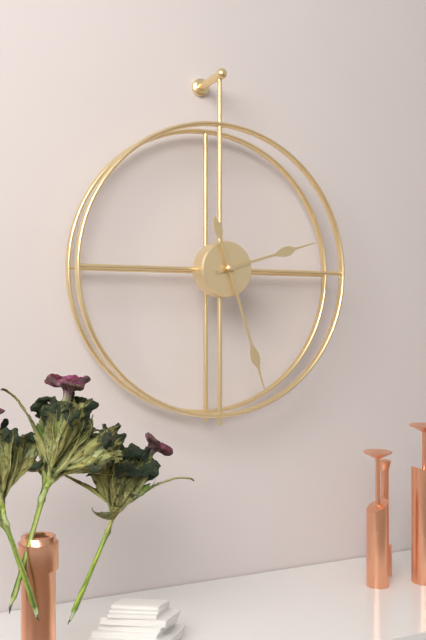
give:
2.27
